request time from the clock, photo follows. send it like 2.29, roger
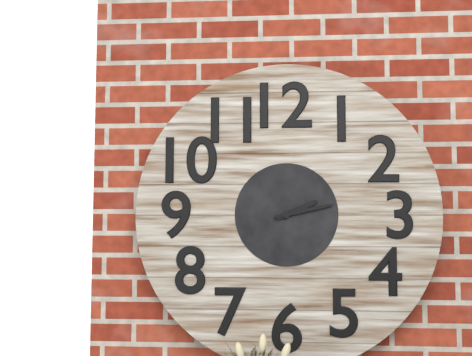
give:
2.13
